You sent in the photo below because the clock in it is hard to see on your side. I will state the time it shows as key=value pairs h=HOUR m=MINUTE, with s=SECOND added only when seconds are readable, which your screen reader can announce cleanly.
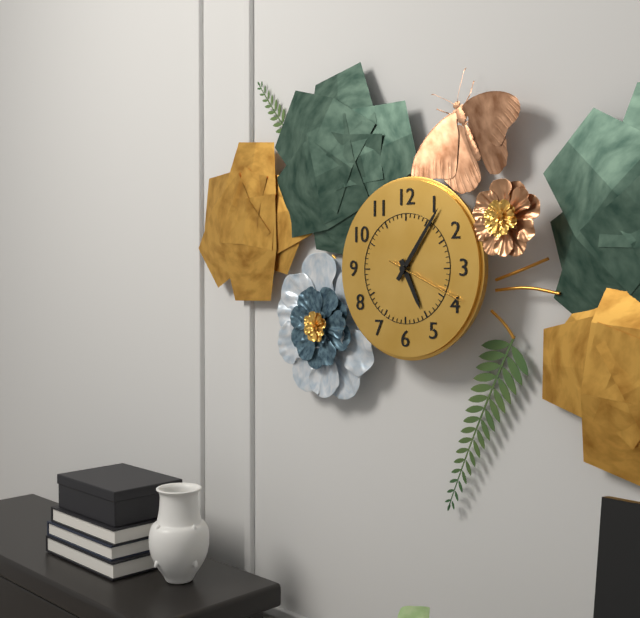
h=5 m=6 s=19
